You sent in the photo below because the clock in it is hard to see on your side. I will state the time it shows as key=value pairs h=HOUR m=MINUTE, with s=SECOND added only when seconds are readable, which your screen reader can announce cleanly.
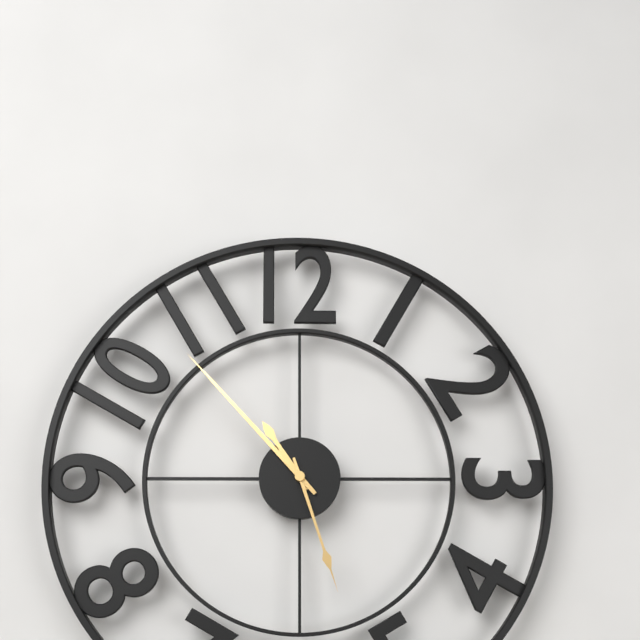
h=10 m=53 s=27
